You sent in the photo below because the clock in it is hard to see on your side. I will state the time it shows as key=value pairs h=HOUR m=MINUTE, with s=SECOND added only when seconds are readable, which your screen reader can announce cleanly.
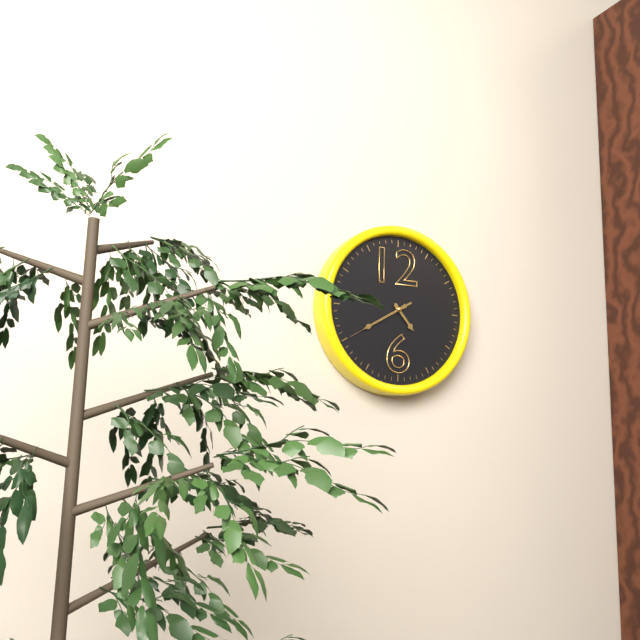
h=4 m=40 s=40
